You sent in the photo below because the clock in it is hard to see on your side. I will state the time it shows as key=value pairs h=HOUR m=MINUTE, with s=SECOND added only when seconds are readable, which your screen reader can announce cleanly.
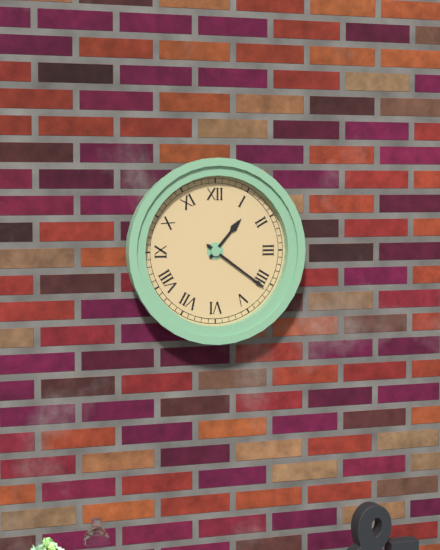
h=1 m=21
